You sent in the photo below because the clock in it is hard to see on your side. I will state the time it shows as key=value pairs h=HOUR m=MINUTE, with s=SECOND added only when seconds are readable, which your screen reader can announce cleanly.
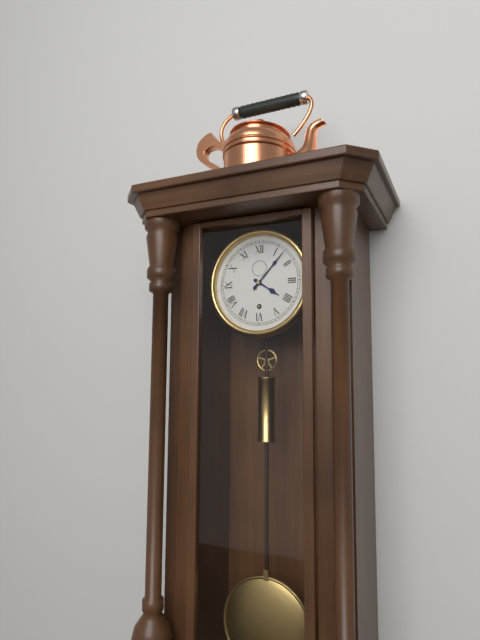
h=4 m=7
